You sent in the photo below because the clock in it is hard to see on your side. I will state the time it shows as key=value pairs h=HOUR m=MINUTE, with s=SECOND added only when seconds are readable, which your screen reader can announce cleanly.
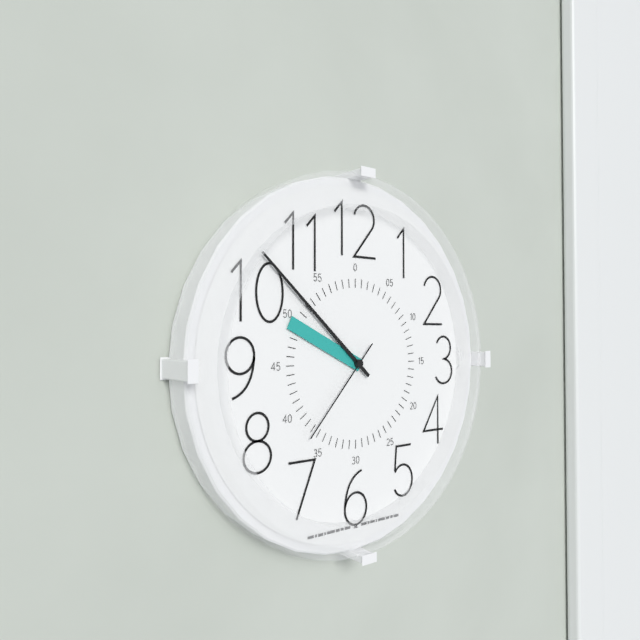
h=9 m=52 s=37
